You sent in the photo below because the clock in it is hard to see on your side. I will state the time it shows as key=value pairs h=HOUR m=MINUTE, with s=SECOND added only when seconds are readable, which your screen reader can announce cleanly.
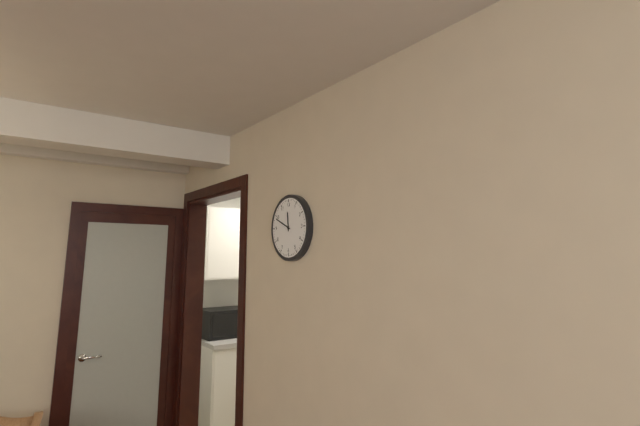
h=11 m=49
